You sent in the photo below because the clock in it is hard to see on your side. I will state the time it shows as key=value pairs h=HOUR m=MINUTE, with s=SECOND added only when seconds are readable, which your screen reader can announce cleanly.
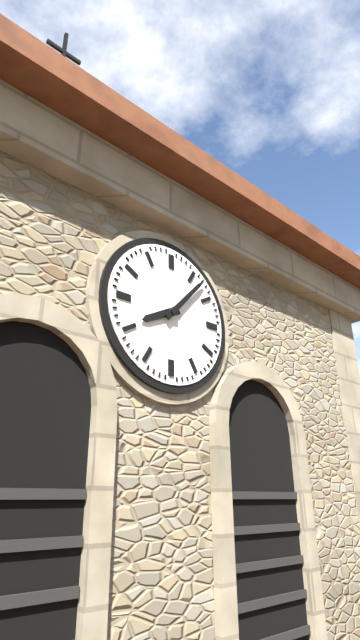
h=8 m=7
